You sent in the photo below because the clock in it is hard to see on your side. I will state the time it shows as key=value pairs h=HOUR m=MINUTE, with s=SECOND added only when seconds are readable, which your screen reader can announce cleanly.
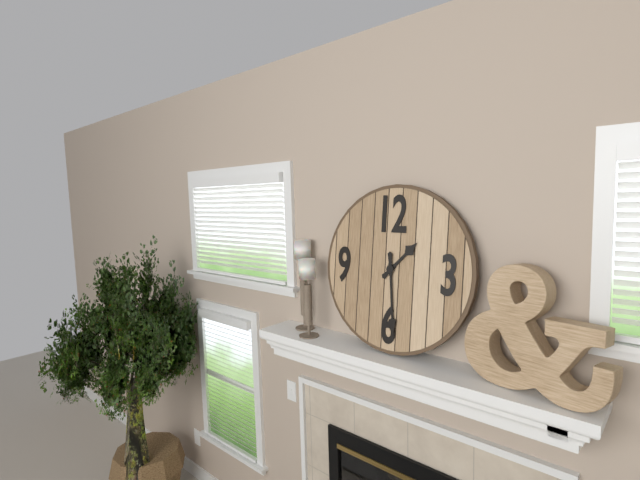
h=1 m=29
